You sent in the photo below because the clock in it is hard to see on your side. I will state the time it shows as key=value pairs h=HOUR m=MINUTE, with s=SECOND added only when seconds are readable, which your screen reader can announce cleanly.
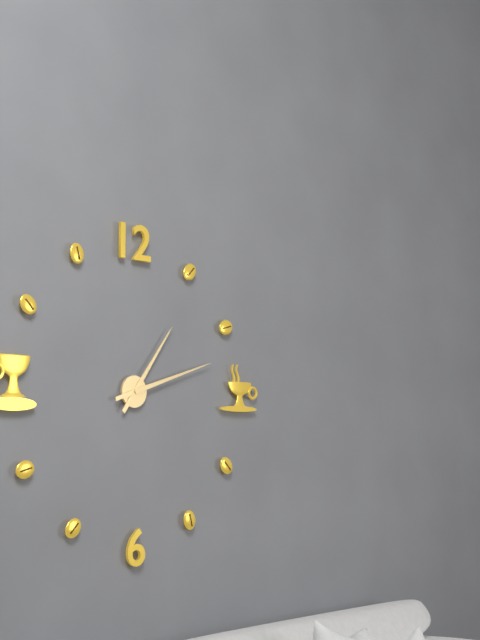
h=1 m=12
